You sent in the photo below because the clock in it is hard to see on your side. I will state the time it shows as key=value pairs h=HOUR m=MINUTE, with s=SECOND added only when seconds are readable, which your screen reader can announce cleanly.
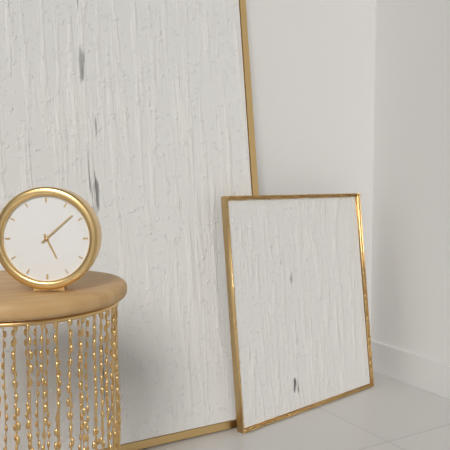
h=5 m=8
